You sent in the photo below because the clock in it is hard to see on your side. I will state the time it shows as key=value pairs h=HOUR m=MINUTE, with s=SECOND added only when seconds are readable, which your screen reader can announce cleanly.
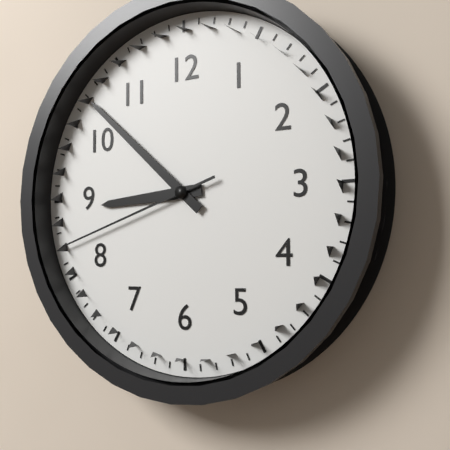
h=8 m=52 s=42
